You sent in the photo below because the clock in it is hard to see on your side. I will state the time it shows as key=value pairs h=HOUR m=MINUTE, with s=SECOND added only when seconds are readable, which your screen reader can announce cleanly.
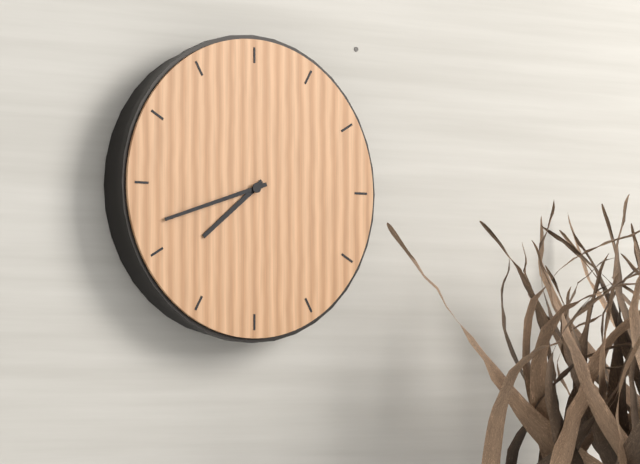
h=7 m=42
